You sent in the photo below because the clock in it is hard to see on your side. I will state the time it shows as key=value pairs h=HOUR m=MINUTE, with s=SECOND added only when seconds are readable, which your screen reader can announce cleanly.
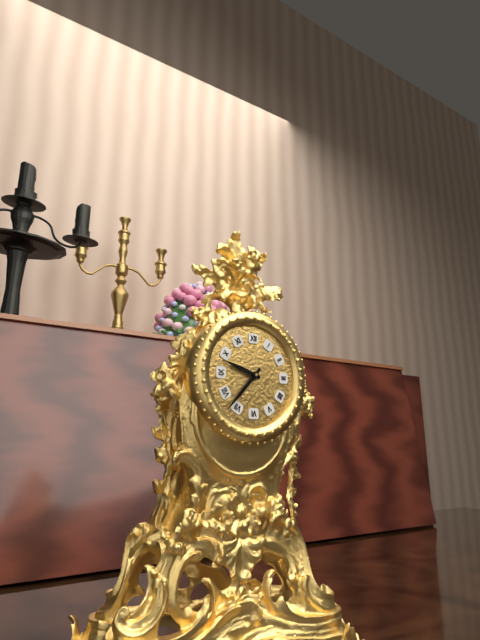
h=9 m=37
